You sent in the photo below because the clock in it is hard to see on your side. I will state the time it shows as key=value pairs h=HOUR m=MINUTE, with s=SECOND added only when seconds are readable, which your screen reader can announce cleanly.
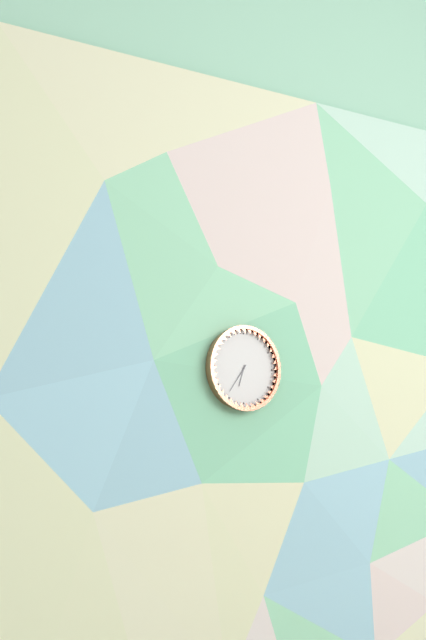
h=6 m=36
